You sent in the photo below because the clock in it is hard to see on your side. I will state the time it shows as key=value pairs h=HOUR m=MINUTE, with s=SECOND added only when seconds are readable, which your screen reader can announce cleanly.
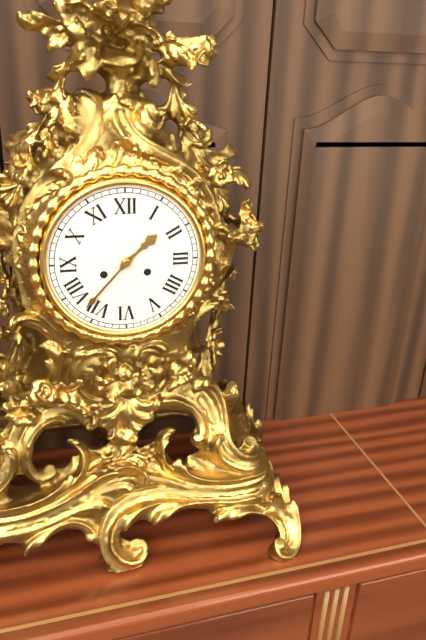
h=1 m=37
